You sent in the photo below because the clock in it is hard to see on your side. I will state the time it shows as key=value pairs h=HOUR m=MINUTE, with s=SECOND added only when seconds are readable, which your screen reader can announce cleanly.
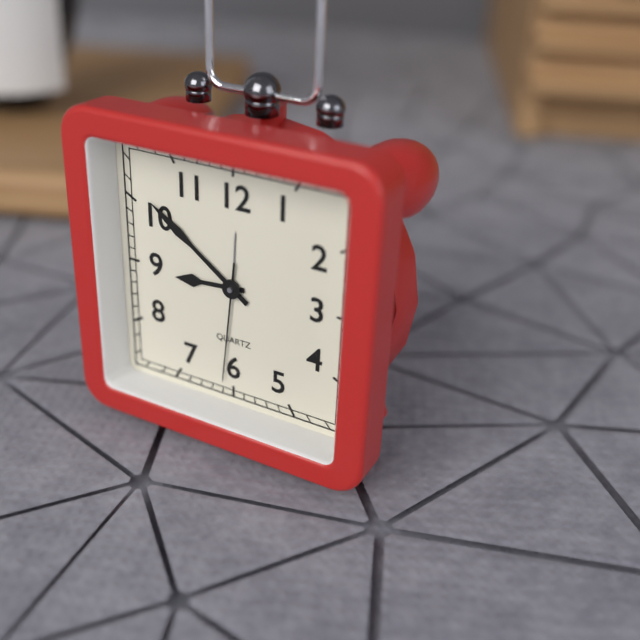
h=8 m=51 s=31
